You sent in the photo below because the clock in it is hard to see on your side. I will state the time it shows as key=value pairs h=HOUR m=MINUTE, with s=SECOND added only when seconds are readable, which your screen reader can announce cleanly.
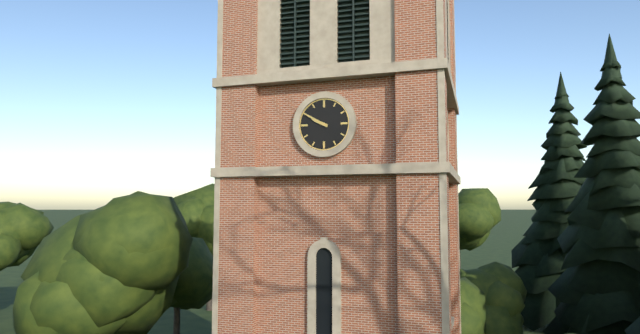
h=9 m=50
